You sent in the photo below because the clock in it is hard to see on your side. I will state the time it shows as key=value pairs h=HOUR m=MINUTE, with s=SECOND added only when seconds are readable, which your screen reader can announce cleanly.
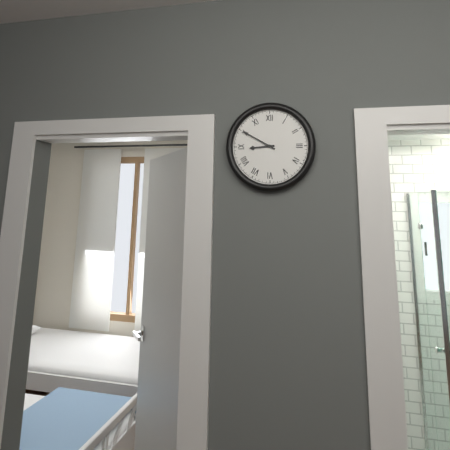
h=8 m=50
